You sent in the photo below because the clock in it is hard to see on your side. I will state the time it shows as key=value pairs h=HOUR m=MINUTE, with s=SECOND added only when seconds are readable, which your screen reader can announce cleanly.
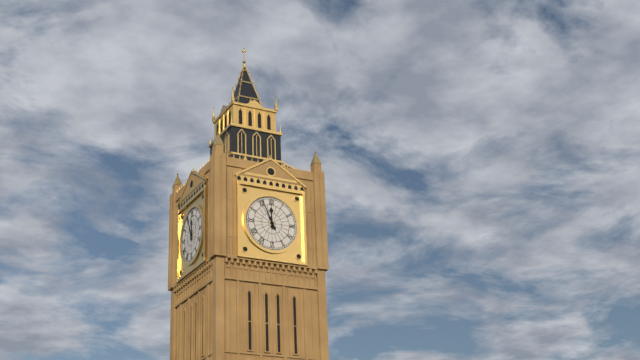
h=11 m=56
